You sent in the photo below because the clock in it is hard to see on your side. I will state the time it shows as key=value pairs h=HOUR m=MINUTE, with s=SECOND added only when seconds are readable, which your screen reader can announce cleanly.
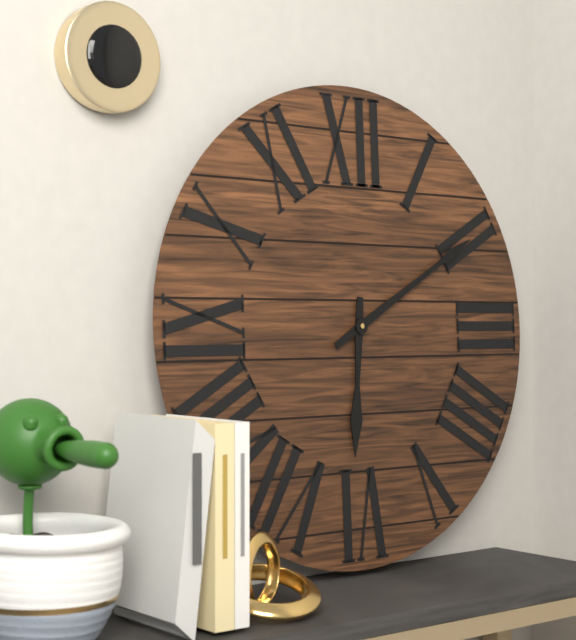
h=6 m=10
